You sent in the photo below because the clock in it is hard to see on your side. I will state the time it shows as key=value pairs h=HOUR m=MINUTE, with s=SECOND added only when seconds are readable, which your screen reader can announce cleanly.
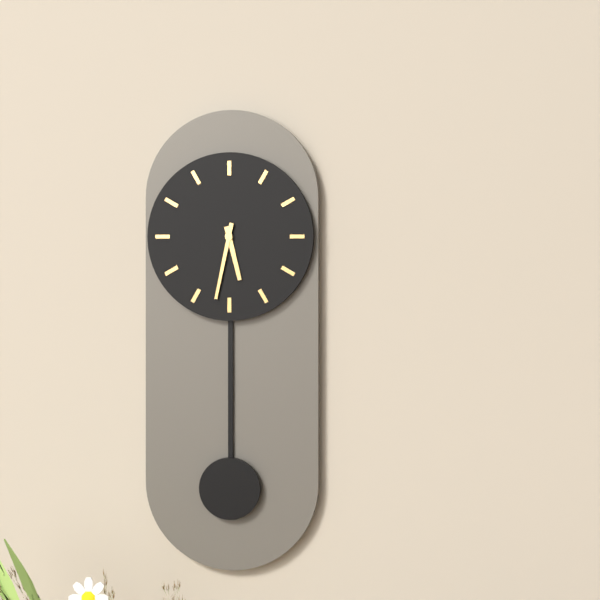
h=5 m=32
